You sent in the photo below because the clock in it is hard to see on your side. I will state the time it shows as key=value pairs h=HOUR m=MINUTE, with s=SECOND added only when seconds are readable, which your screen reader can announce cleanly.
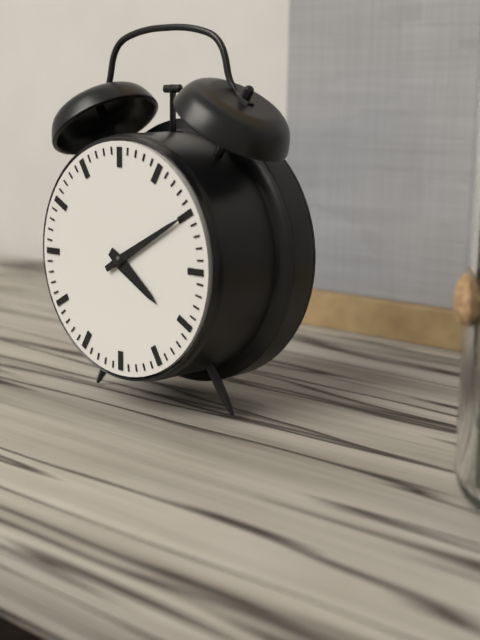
h=4 m=10
